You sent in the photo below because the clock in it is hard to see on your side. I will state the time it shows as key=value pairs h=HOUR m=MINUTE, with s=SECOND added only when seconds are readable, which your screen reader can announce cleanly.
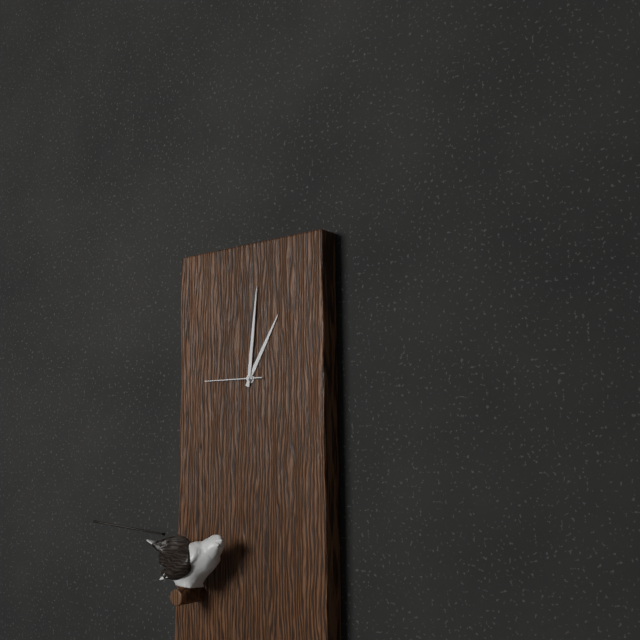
h=1 m=1 s=45
